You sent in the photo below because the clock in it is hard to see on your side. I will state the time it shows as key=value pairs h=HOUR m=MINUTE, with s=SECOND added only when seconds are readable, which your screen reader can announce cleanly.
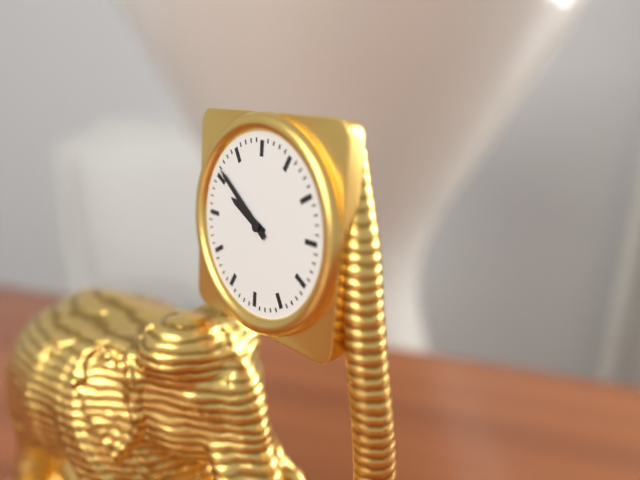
h=9 m=51
